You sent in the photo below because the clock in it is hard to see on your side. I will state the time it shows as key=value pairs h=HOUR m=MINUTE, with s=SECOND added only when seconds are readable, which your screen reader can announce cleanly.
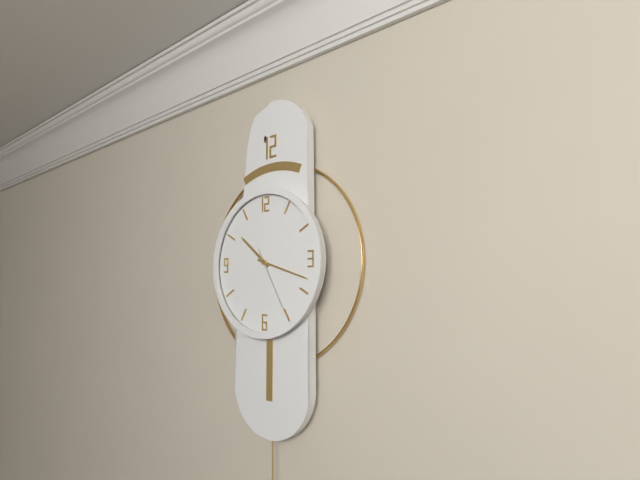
h=10 m=18 s=25
